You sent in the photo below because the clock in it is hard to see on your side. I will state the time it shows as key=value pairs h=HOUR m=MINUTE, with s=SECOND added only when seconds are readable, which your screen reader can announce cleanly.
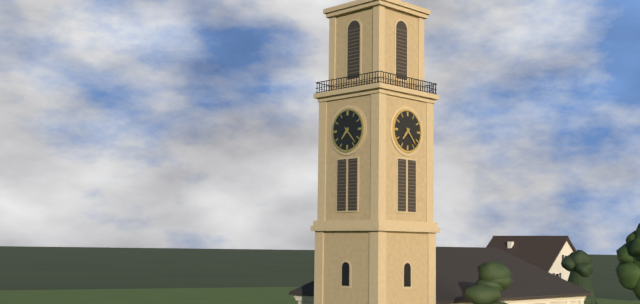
h=7 m=23
